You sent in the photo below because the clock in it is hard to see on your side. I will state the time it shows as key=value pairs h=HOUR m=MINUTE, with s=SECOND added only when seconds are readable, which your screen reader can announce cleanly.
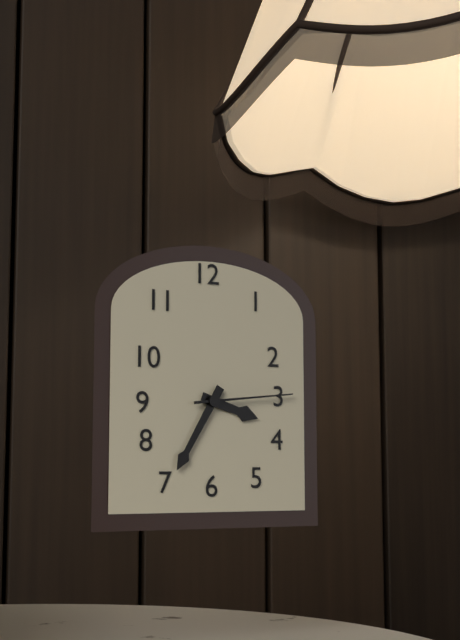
h=3 m=35 s=14
